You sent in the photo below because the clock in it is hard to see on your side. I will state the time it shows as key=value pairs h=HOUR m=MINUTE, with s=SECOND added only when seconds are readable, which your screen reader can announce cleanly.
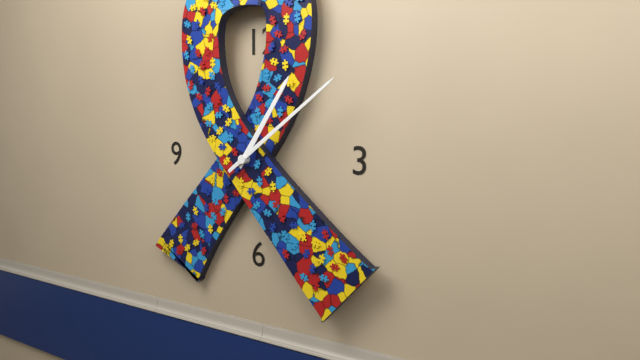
h=1 m=9
